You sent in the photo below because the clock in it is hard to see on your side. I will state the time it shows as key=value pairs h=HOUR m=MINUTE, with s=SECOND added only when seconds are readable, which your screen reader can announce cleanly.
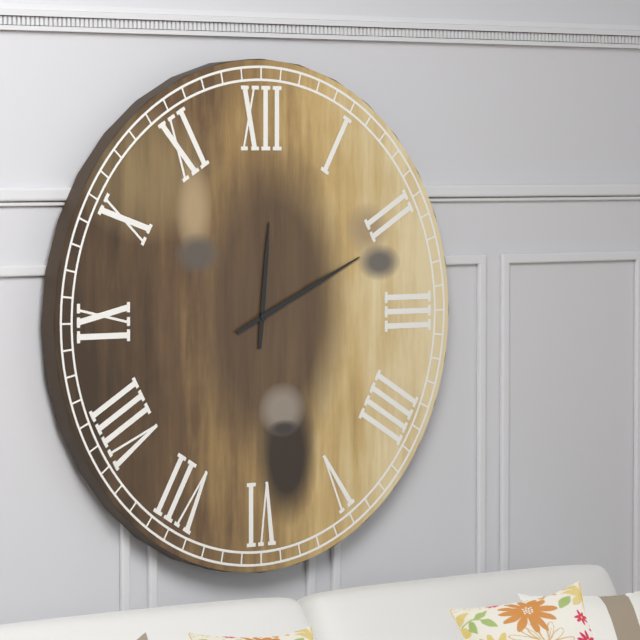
h=12 m=11
